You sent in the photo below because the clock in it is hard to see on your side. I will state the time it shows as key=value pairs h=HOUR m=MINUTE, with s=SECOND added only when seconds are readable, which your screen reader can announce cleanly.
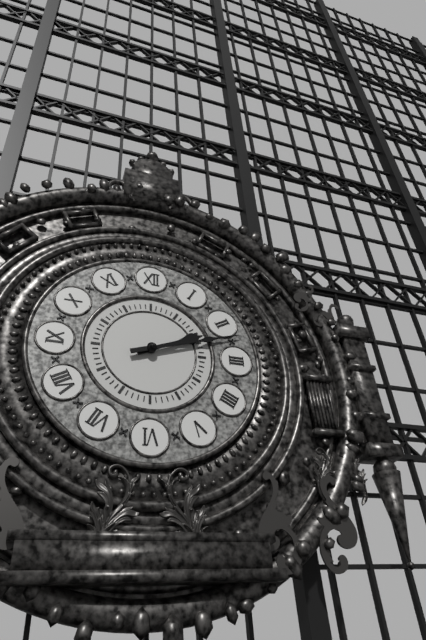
h=2 m=12
